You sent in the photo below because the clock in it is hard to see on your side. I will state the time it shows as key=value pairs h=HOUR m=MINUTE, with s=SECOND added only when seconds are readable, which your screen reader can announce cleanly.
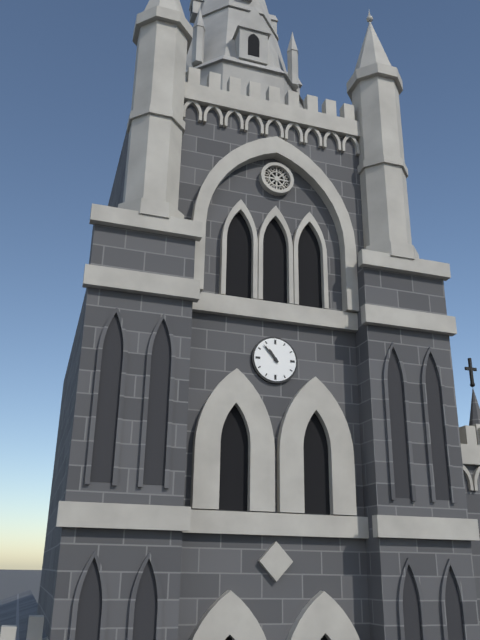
h=10 m=53
